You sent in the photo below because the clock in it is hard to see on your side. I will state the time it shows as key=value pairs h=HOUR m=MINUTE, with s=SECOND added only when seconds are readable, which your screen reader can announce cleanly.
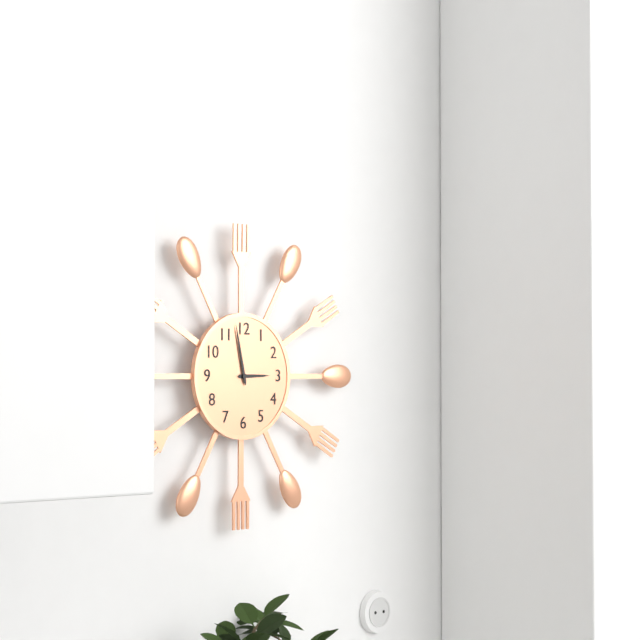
h=2 m=58
